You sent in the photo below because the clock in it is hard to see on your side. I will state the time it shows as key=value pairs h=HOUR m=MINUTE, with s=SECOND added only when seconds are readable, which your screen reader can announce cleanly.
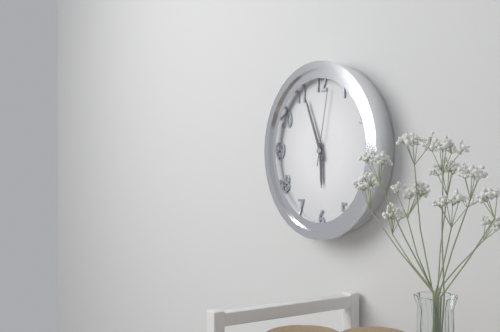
h=5 m=56 s=2
